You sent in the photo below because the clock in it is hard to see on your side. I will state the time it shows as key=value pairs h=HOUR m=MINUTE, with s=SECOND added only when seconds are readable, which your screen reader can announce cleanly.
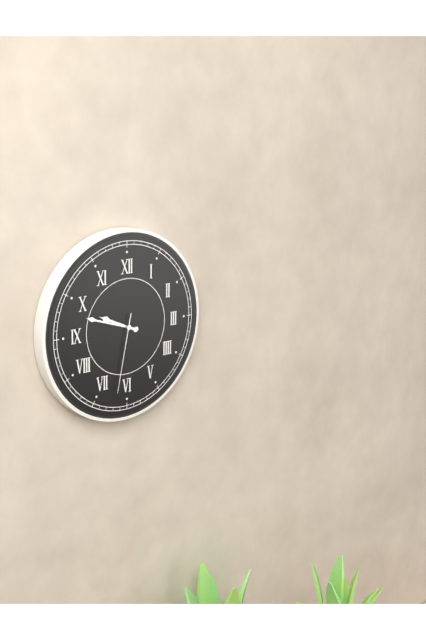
h=9 m=48 s=32
